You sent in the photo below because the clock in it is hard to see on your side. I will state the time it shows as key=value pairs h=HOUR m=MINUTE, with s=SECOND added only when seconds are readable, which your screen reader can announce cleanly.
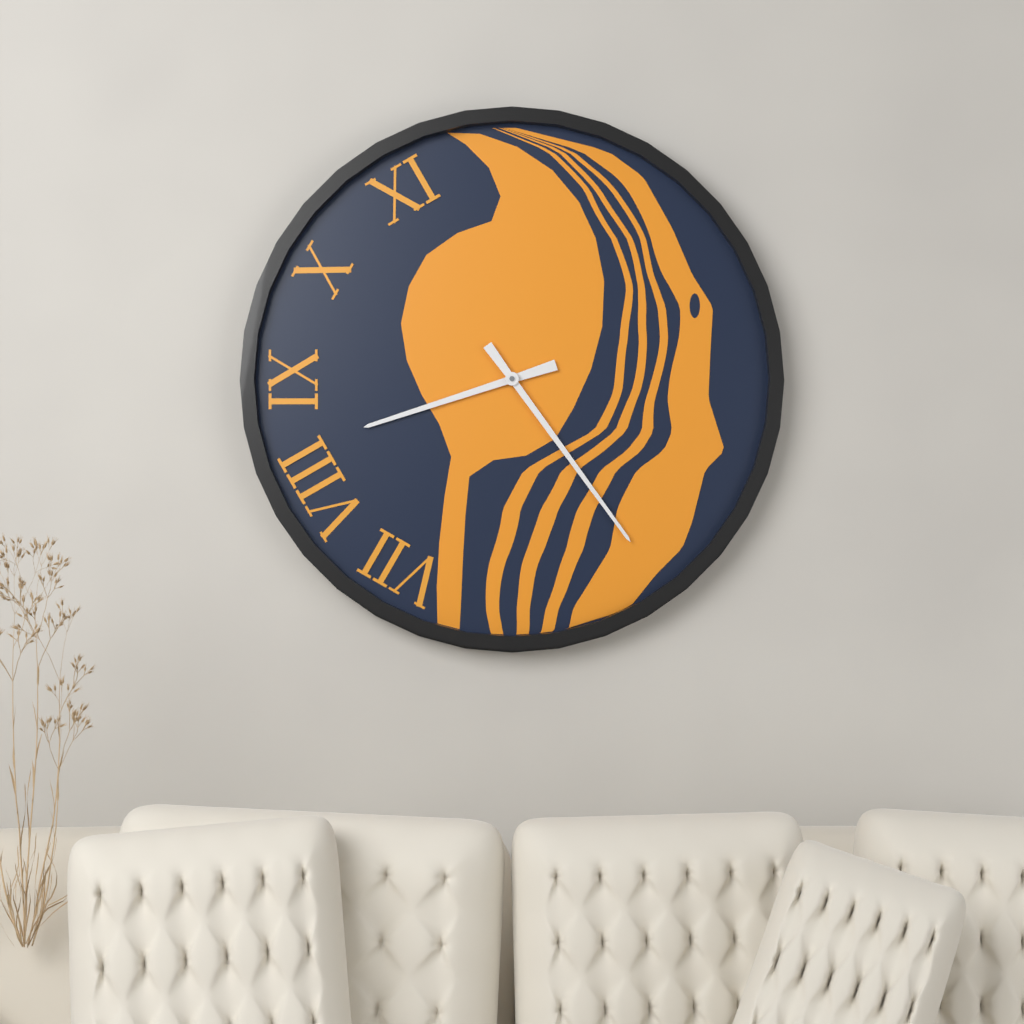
h=8 m=24
